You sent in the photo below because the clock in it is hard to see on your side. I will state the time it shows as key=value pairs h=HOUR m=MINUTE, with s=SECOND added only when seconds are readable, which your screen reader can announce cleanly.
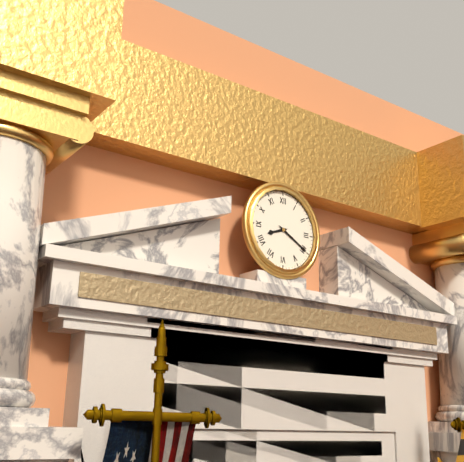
h=8 m=20
